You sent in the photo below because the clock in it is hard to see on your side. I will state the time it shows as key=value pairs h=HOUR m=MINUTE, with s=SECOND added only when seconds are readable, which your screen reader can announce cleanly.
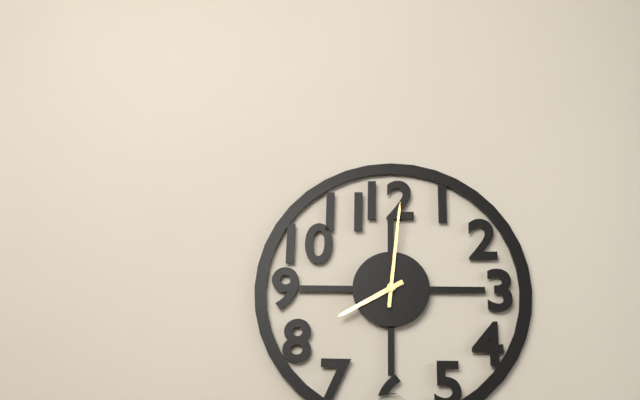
h=8 m=1
